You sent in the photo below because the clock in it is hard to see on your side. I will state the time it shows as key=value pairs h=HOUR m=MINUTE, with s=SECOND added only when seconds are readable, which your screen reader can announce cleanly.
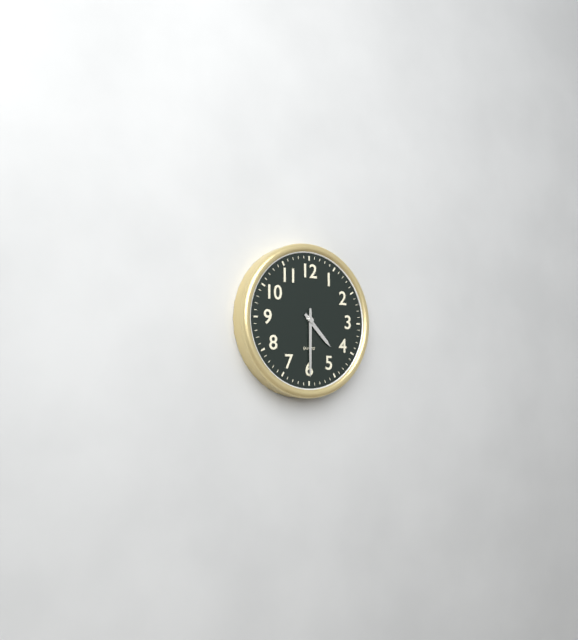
h=4 m=30
